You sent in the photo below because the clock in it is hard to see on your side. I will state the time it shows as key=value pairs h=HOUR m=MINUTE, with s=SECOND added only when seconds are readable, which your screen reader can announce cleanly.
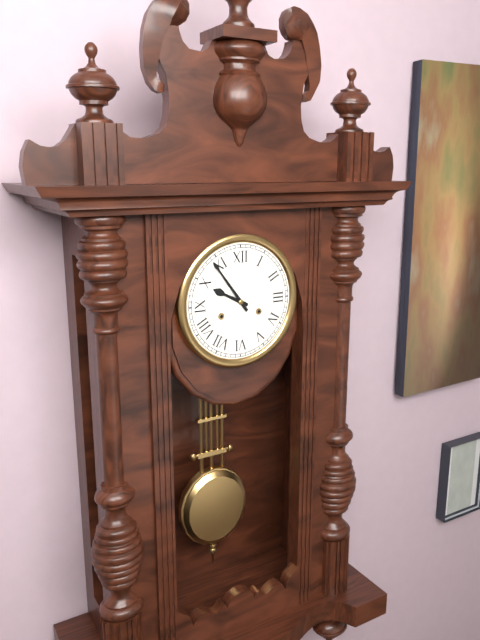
h=9 m=54
